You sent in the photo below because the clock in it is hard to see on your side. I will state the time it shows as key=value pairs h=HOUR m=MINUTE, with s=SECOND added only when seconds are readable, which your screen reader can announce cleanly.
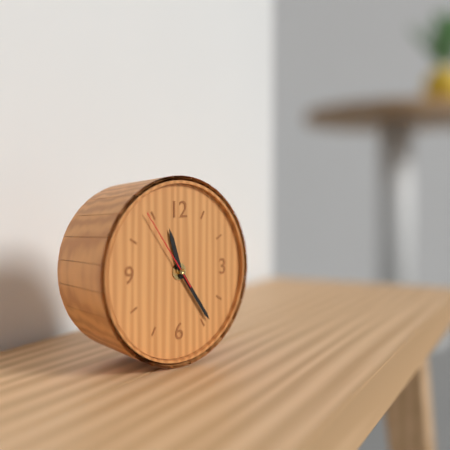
h=11 m=24 s=54
